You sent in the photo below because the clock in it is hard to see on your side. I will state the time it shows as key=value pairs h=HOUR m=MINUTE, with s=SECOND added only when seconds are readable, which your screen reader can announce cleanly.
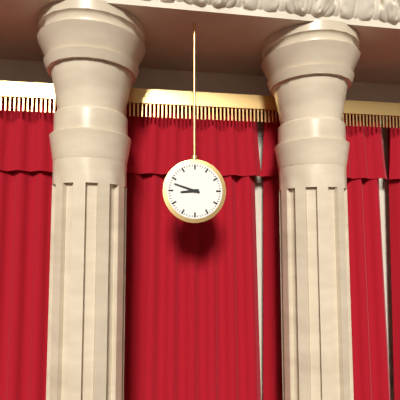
h=8 m=48
